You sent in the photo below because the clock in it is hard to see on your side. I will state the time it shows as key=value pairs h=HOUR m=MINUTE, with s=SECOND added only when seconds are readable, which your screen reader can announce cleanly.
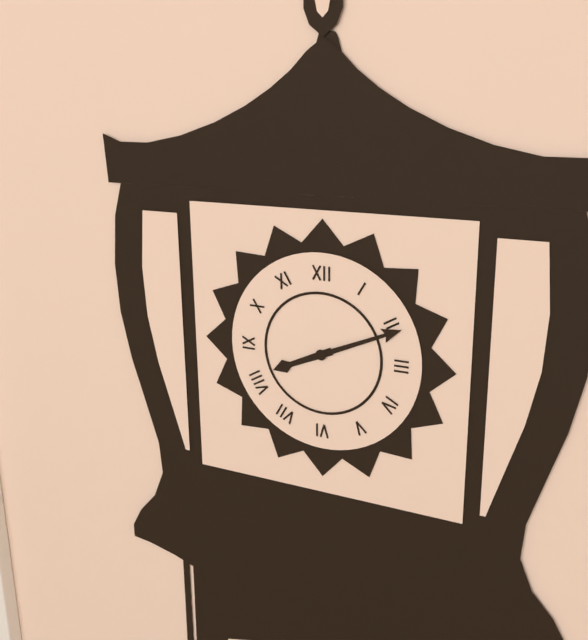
h=8 m=11
